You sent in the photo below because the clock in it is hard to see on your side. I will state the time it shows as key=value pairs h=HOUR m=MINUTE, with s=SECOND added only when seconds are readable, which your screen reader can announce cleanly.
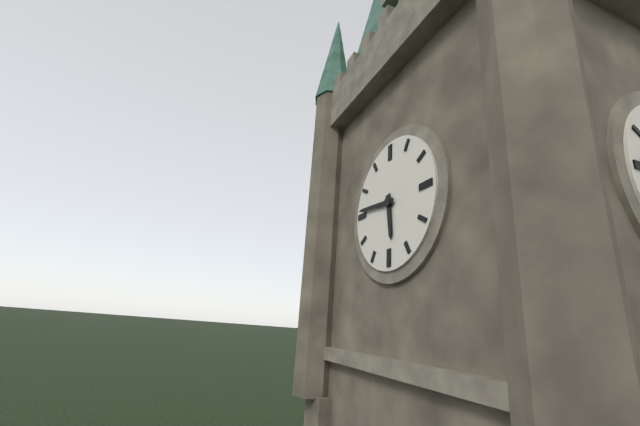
h=5 m=46
